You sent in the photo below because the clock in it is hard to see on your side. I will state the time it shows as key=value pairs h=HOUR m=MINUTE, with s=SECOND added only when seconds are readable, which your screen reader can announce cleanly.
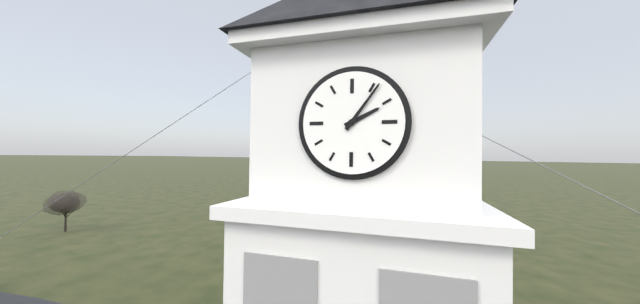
h=2 m=6
